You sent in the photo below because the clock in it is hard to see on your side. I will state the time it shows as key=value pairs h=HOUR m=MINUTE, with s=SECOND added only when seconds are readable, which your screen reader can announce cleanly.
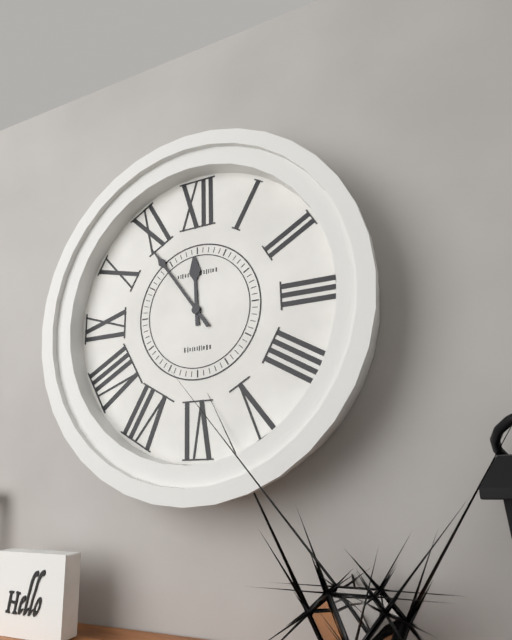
h=11 m=54
